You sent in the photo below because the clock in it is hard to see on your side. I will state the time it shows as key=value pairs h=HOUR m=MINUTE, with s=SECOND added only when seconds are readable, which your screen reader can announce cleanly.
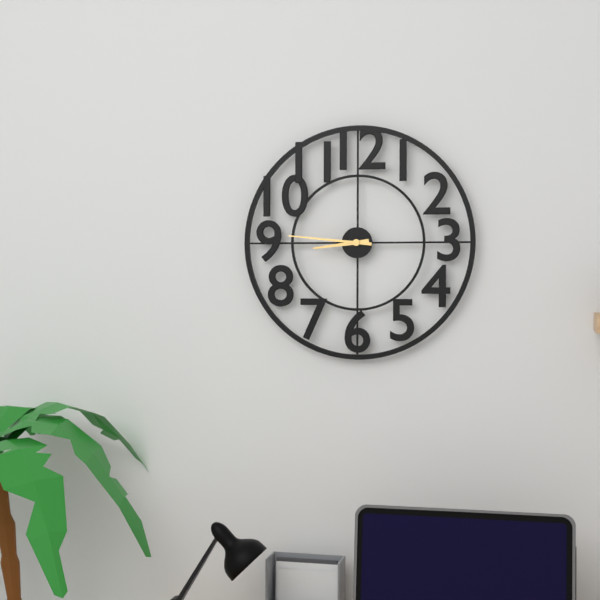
h=8 m=46
